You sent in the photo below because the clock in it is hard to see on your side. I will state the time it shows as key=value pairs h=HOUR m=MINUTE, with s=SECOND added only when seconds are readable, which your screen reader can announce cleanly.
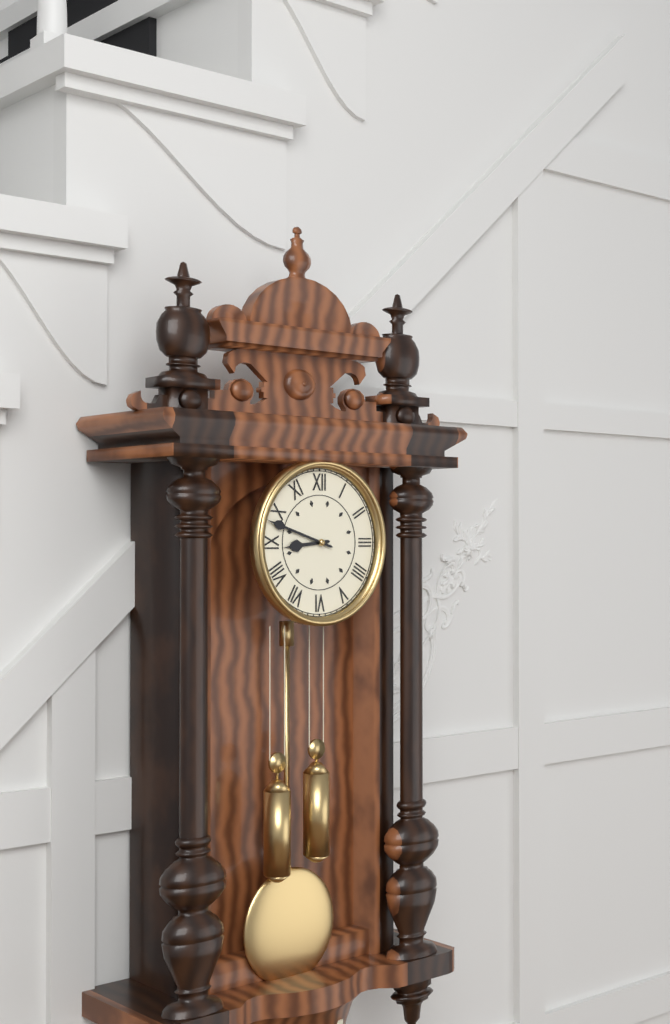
h=8 m=48
